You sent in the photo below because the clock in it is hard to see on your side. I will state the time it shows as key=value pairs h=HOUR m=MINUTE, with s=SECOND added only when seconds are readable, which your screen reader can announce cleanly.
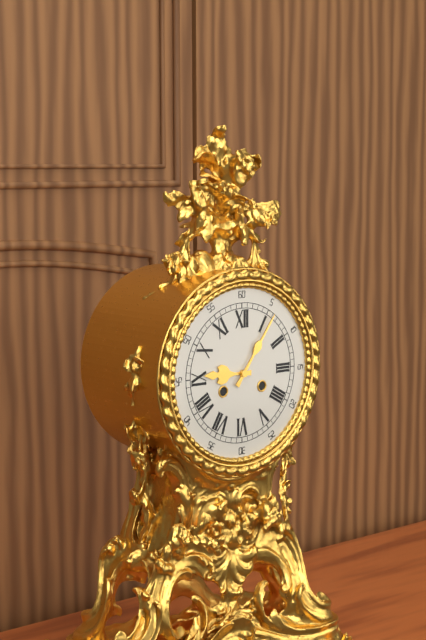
h=9 m=6
